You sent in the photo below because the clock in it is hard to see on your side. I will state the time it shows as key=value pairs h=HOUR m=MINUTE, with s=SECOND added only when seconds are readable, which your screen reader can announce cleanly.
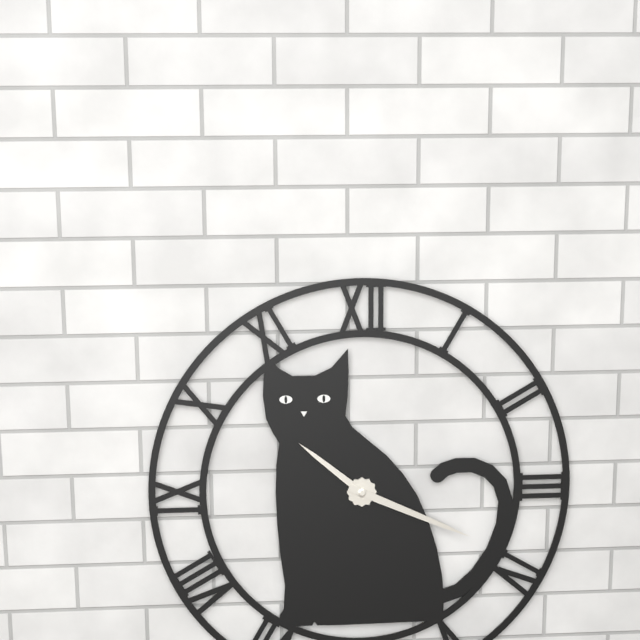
h=10 m=19
